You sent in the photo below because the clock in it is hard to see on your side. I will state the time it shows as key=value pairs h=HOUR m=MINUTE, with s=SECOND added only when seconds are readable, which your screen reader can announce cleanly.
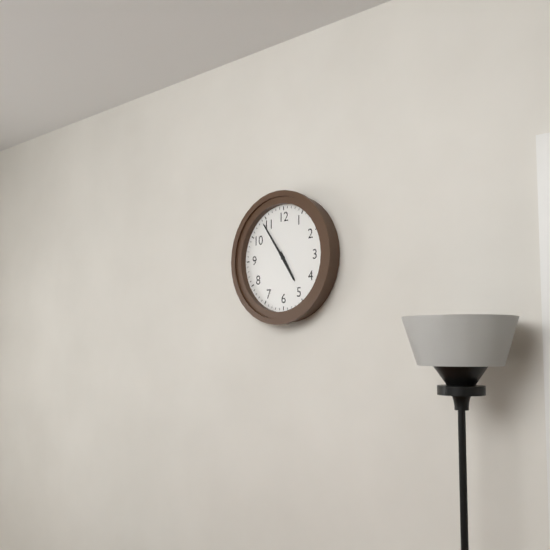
h=4 m=54
